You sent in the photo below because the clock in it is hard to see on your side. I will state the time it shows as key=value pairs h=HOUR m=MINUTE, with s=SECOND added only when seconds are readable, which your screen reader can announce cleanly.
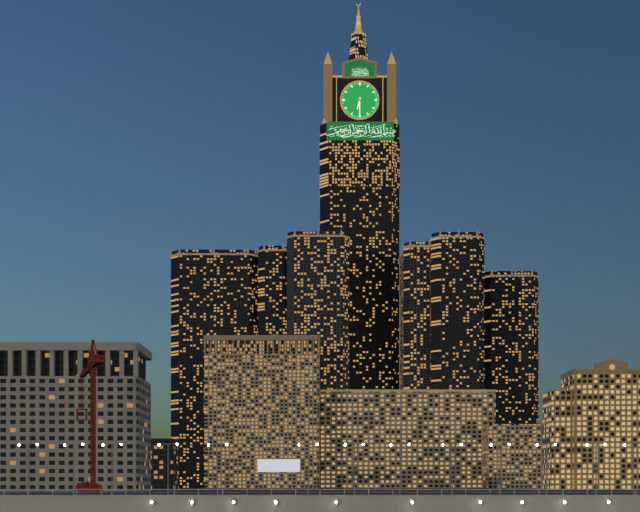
h=6 m=30
